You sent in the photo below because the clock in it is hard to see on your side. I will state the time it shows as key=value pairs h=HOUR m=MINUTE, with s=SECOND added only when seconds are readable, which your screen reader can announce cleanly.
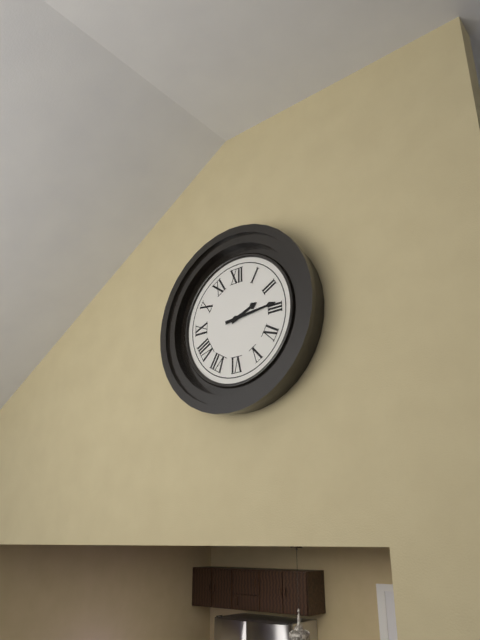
h=2 m=14
